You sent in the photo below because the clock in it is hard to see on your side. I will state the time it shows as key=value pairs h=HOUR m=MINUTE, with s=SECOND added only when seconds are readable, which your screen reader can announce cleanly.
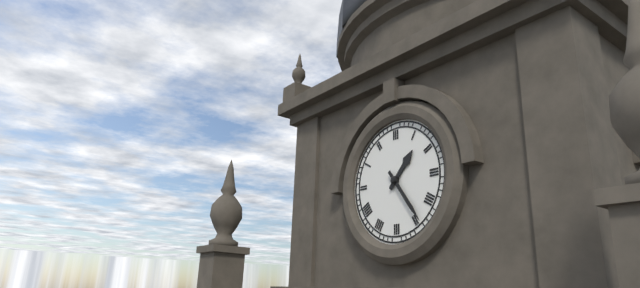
h=1 m=24
